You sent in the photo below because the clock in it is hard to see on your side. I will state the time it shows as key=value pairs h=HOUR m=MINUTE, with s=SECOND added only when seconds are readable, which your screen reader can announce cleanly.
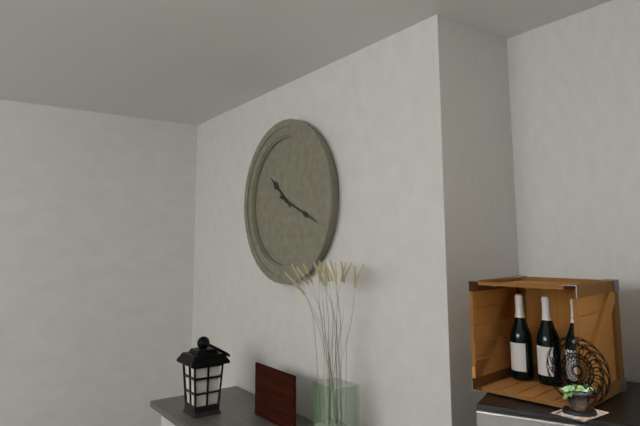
h=10 m=19
